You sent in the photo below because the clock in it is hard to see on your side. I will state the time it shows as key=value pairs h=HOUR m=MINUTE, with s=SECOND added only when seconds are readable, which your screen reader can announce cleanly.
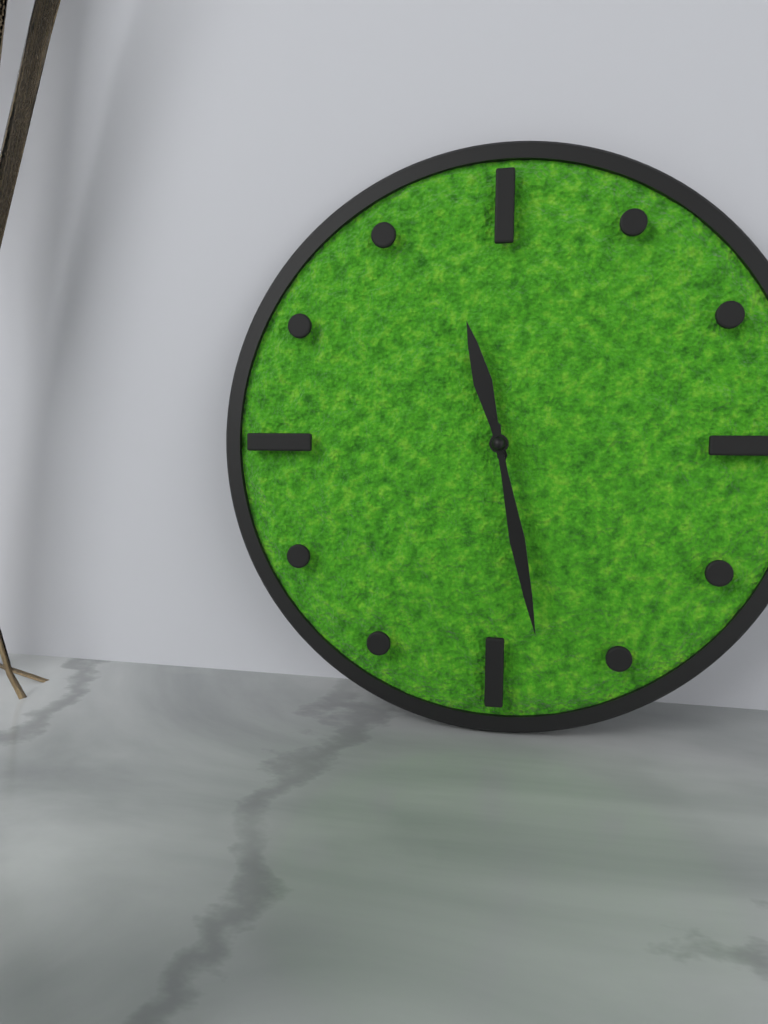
h=11 m=28
